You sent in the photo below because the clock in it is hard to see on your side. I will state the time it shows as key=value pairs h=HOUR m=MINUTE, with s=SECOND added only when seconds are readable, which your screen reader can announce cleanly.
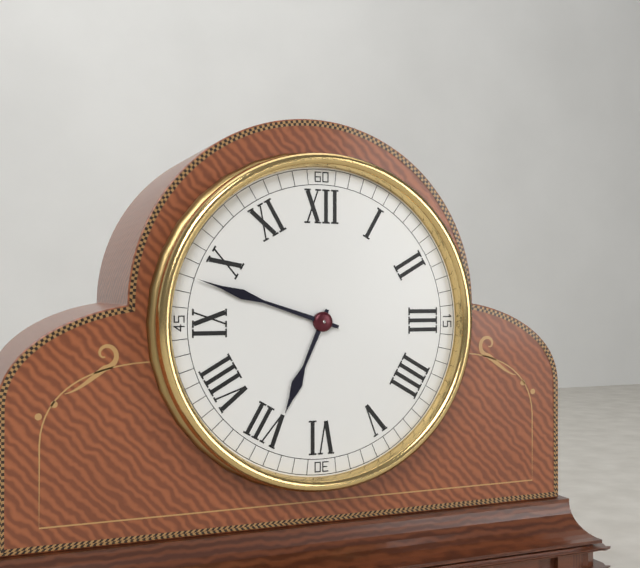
h=6 m=48
